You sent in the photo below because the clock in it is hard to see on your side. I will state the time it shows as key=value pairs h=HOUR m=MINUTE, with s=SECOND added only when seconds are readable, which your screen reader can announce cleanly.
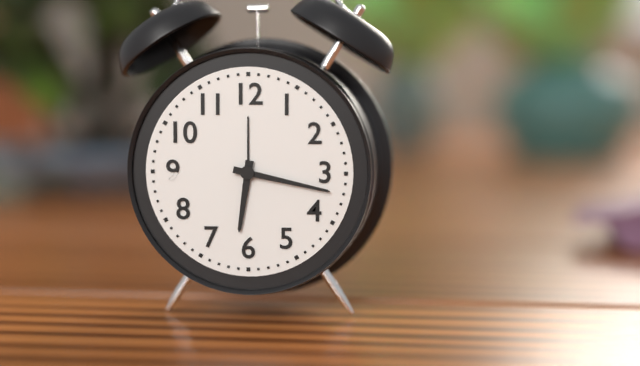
h=6 m=17
